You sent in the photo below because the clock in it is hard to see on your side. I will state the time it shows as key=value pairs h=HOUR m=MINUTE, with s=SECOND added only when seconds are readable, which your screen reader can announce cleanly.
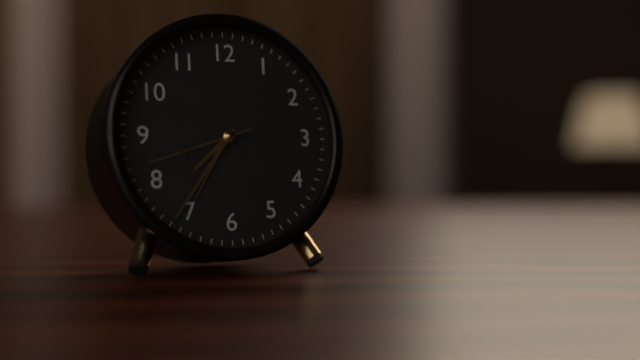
h=7 m=36 s=42
